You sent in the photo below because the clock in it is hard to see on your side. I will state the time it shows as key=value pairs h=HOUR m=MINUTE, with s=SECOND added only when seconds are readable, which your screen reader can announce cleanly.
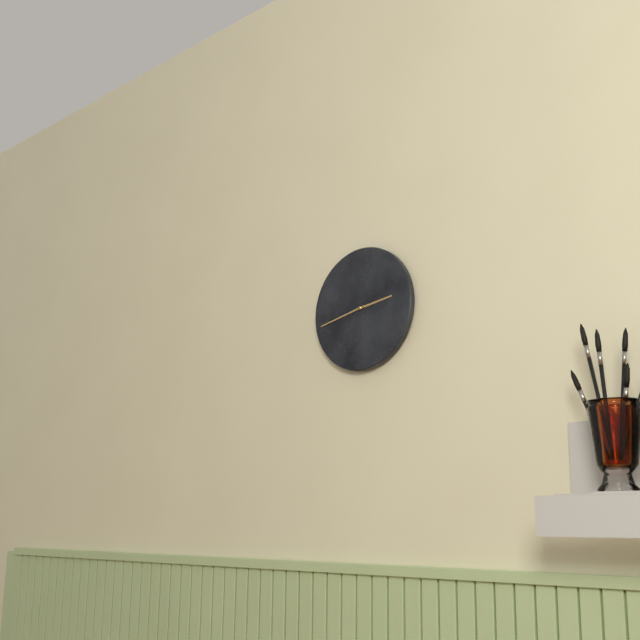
h=2 m=43
